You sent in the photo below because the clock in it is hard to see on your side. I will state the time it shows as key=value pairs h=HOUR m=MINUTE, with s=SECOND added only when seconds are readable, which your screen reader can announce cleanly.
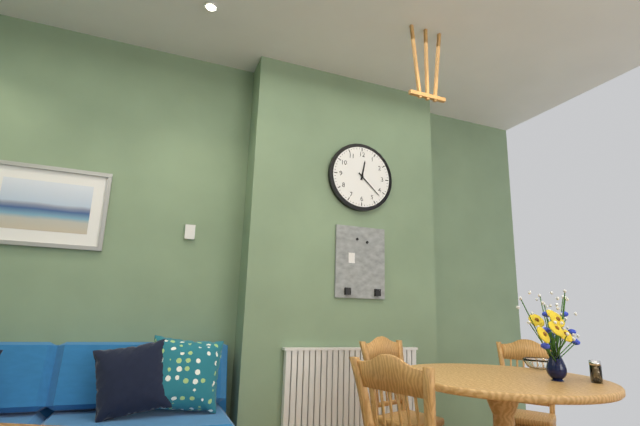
h=12 m=22
